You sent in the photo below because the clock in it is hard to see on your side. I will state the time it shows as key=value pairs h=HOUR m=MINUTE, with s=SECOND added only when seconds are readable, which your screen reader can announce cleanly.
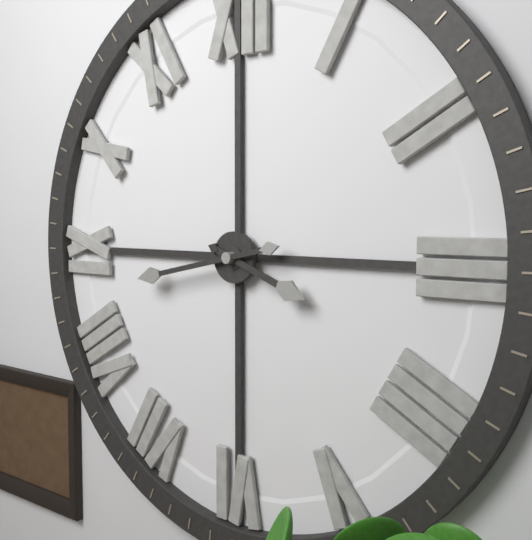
h=3 m=43
